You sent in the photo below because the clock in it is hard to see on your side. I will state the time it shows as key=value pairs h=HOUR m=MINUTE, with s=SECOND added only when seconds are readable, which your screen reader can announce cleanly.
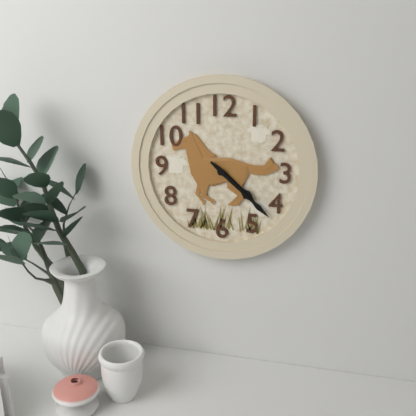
h=4 m=22
